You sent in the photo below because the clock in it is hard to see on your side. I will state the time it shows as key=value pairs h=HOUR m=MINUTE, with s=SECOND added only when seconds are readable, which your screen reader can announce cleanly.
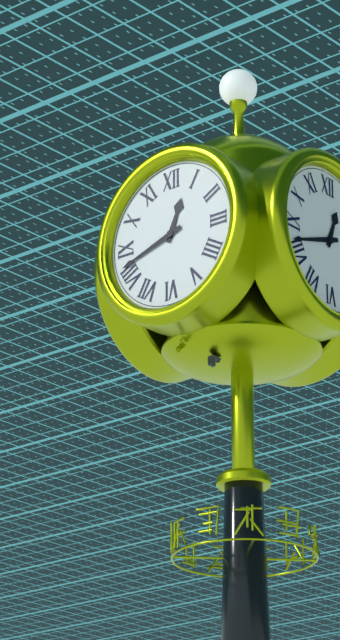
h=12 m=42
